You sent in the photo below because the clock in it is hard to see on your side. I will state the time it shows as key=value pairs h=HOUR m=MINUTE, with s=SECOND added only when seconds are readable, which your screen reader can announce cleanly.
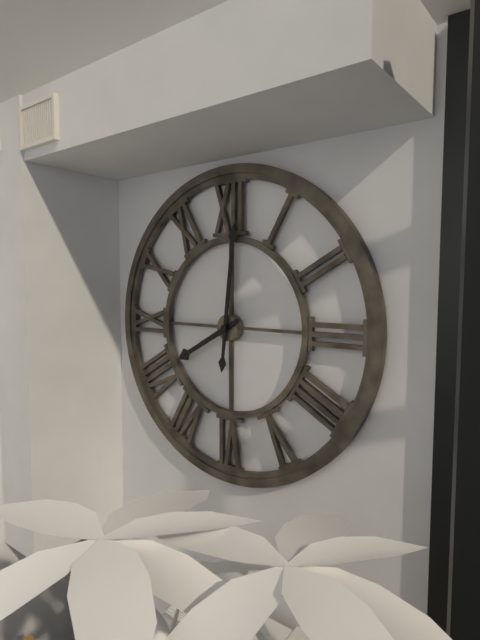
h=8 m=1
